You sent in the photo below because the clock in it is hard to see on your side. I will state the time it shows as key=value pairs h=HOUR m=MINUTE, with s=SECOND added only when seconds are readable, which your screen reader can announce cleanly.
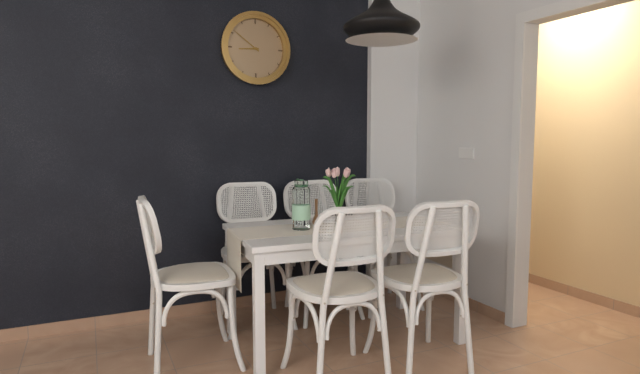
h=8 m=51
